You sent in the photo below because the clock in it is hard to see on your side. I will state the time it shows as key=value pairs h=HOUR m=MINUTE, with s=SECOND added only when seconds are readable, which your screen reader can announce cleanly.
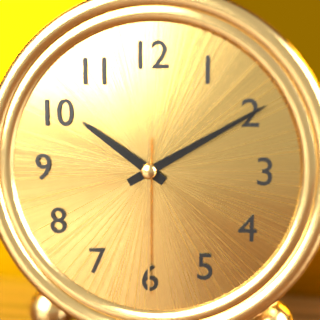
h=10 m=10 s=30
